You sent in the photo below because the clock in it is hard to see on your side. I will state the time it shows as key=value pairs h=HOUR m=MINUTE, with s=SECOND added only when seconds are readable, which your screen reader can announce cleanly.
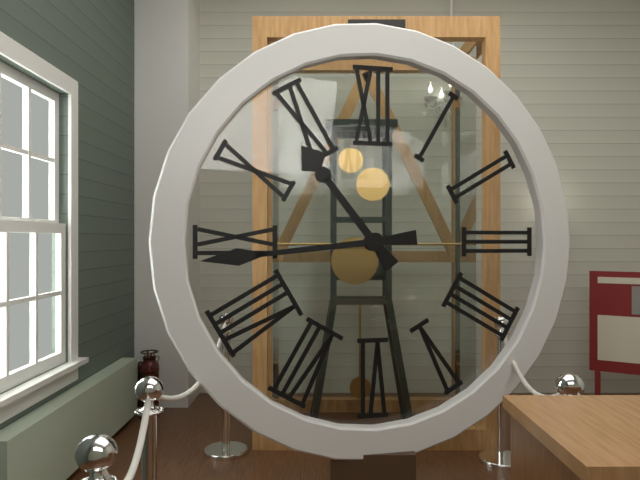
h=10 m=44
